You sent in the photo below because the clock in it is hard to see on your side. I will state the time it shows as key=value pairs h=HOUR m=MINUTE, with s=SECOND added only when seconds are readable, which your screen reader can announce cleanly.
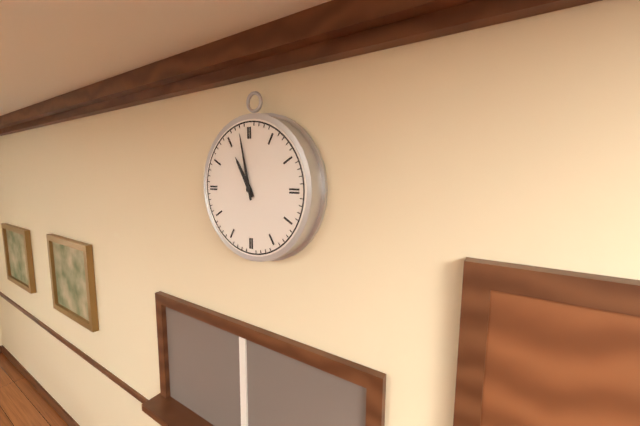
h=10 m=58
